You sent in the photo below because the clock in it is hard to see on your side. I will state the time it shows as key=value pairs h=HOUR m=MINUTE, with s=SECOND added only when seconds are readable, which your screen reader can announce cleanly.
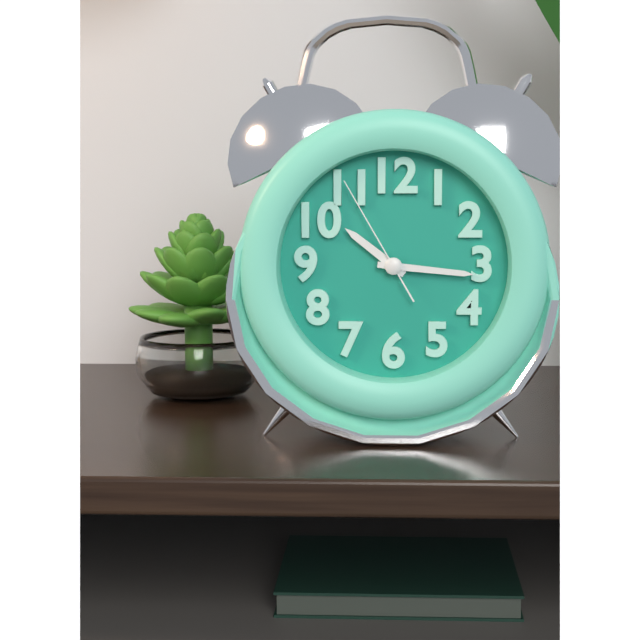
h=10 m=16 s=55
